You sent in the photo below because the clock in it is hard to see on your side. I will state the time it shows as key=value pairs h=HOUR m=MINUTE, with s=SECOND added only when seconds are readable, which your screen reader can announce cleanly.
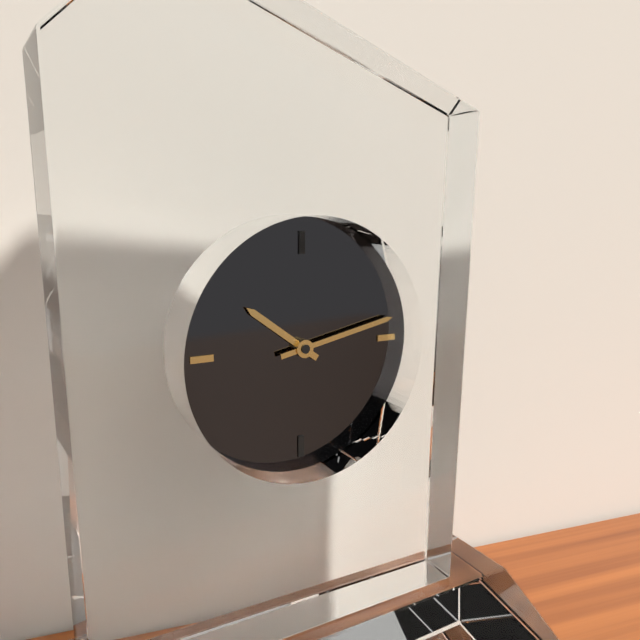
h=10 m=13
